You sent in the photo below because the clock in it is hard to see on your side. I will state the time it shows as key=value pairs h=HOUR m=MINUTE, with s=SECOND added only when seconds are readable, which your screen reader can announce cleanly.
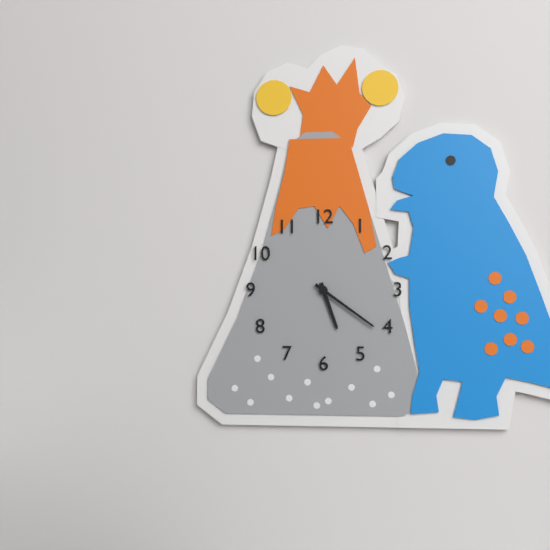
h=5 m=21
